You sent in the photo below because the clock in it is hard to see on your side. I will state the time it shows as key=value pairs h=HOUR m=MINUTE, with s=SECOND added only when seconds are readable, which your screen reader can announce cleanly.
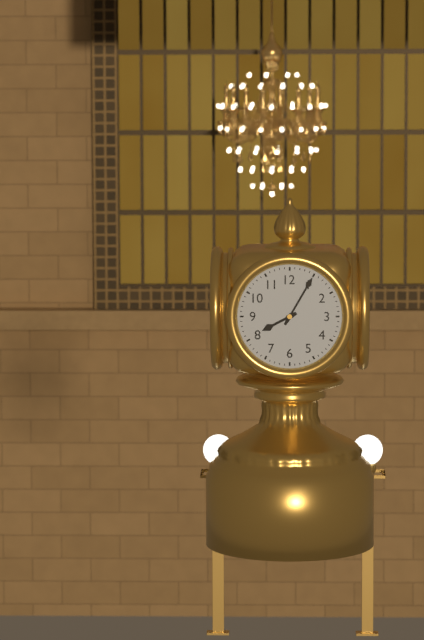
h=8 m=5
